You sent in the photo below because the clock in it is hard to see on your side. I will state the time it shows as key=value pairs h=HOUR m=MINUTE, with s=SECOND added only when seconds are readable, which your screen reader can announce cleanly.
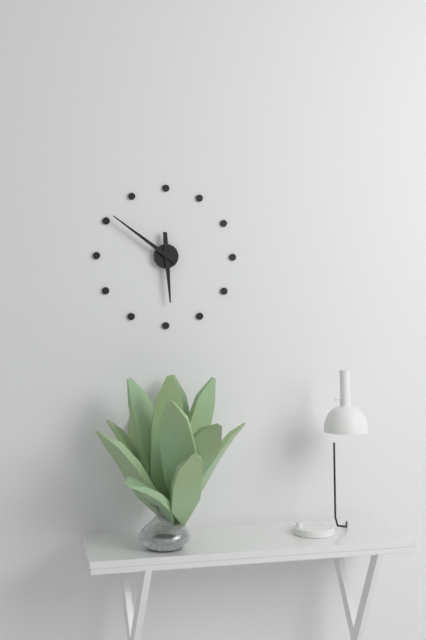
h=5 m=51
